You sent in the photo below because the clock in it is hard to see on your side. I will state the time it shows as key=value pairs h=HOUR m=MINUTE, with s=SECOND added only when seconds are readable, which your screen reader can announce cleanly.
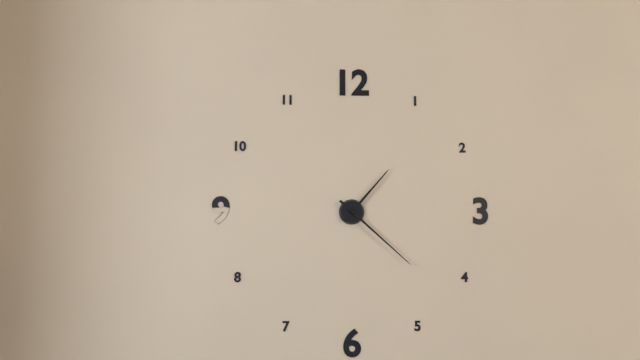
h=1 m=22
